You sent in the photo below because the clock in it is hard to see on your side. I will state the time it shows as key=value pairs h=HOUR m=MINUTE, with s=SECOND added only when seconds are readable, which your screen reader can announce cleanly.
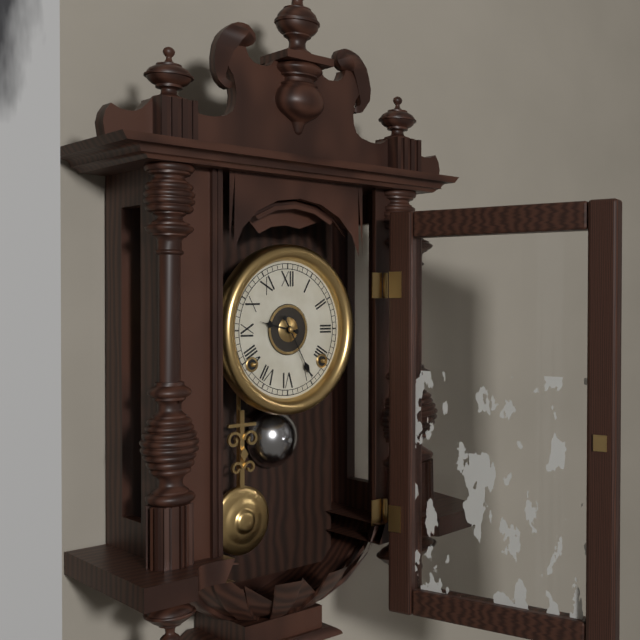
h=9 m=25
